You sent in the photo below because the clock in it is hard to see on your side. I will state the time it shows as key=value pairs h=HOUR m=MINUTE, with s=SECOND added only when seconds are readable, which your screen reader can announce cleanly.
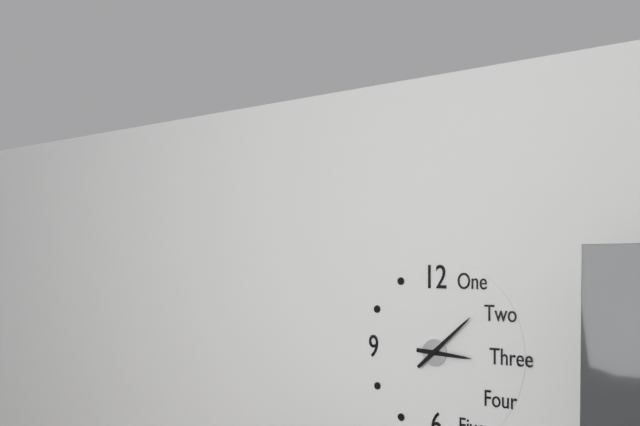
h=3 m=8
